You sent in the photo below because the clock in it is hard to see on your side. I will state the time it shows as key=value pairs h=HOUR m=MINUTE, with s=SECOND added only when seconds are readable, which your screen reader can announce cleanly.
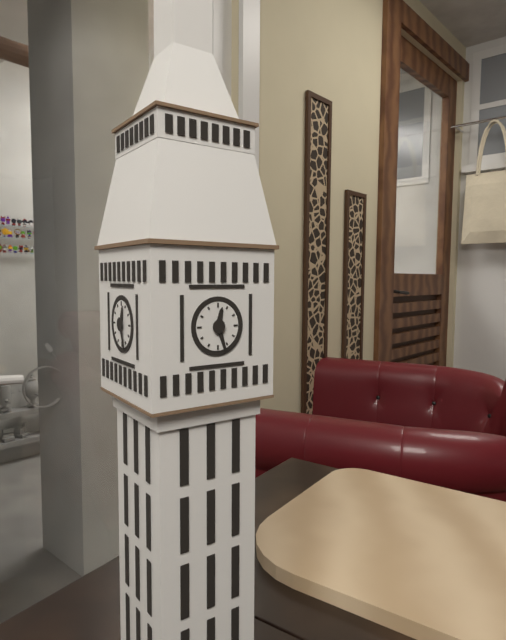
h=12 m=27
